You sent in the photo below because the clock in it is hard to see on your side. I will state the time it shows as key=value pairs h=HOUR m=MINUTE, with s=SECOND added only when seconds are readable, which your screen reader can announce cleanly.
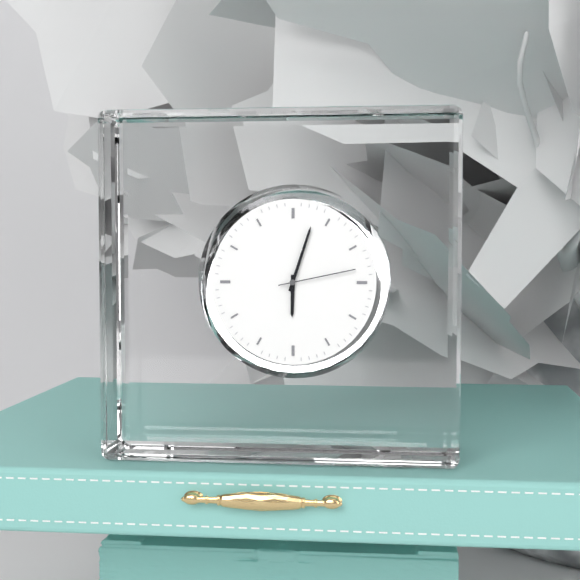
h=6 m=3 s=13
